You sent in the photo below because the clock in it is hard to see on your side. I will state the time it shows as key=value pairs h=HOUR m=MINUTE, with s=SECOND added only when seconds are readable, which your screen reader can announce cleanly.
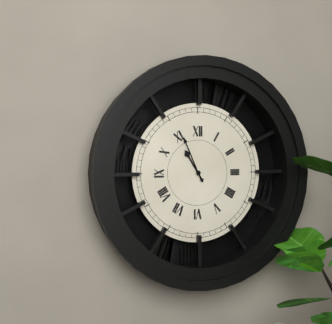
h=10 m=56
